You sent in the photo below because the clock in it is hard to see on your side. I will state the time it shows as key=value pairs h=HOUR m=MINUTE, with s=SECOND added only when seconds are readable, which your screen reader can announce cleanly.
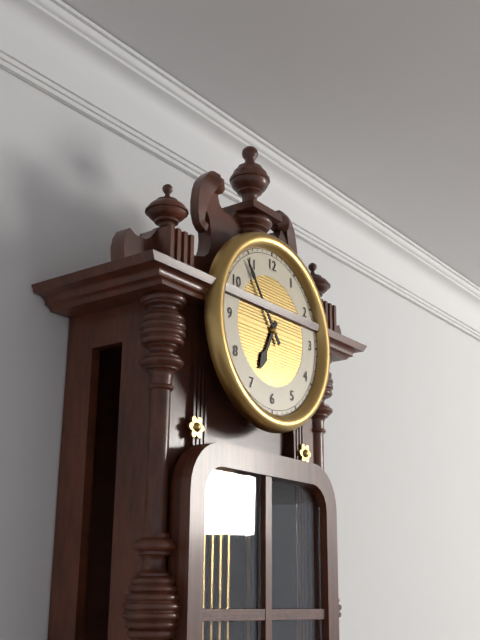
h=6 m=54
